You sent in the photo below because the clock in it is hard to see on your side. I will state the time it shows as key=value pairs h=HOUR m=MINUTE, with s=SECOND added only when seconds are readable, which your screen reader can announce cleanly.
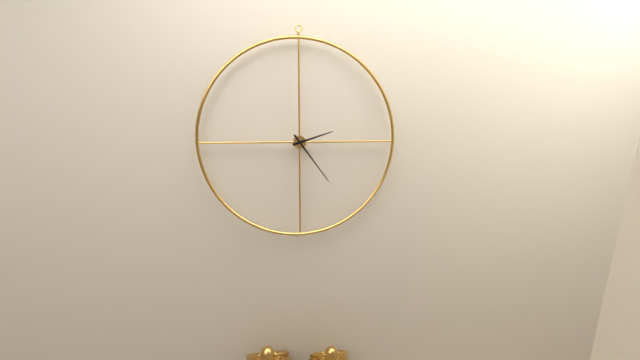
h=2 m=24
